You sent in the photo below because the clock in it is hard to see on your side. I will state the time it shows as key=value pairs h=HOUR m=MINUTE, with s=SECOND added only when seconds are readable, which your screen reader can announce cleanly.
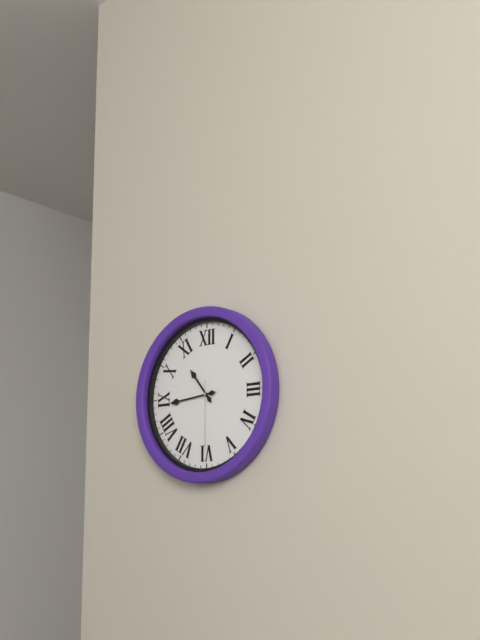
h=10 m=44 s=30
